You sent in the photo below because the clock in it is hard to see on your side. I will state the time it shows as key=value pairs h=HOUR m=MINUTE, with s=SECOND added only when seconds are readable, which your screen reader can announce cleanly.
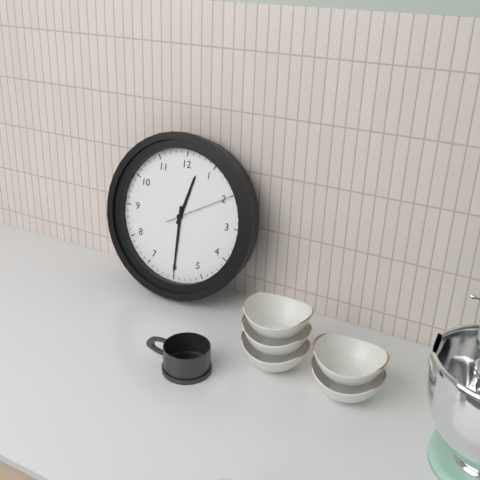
h=12 m=30 s=10
